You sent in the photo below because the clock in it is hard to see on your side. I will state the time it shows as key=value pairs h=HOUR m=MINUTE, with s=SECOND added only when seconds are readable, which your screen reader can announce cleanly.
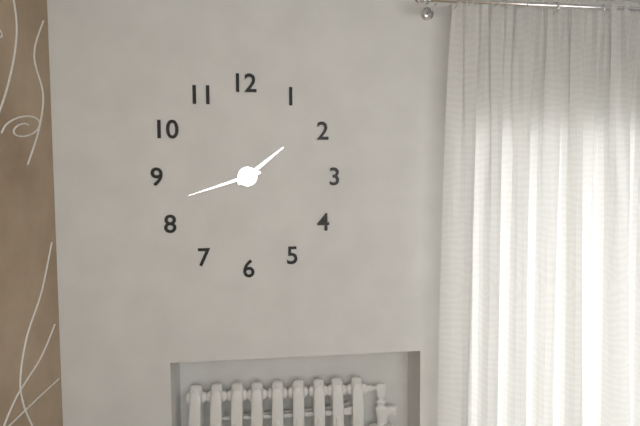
h=1 m=42
